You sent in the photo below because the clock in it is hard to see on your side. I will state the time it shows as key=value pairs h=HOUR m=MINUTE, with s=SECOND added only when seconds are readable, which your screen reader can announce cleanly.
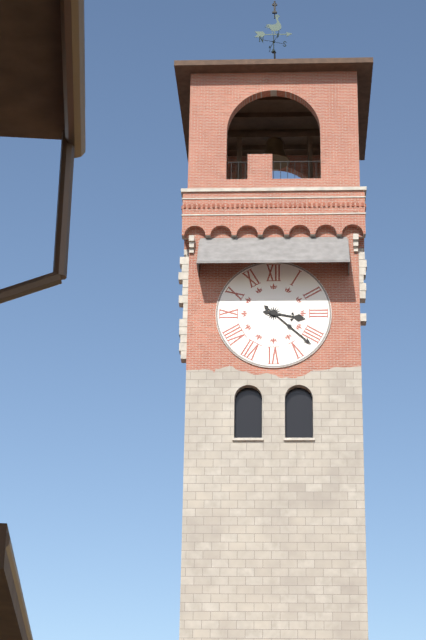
h=3 m=22
